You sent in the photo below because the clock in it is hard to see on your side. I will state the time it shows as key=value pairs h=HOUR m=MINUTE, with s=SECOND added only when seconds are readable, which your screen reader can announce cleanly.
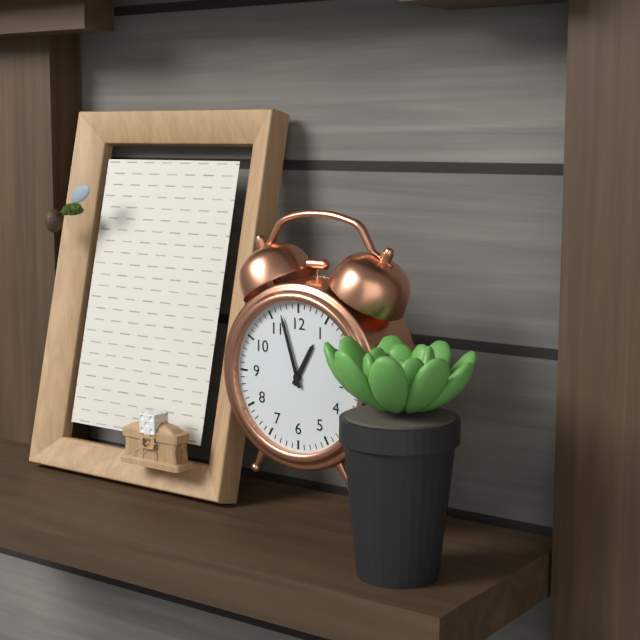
h=12 m=57
